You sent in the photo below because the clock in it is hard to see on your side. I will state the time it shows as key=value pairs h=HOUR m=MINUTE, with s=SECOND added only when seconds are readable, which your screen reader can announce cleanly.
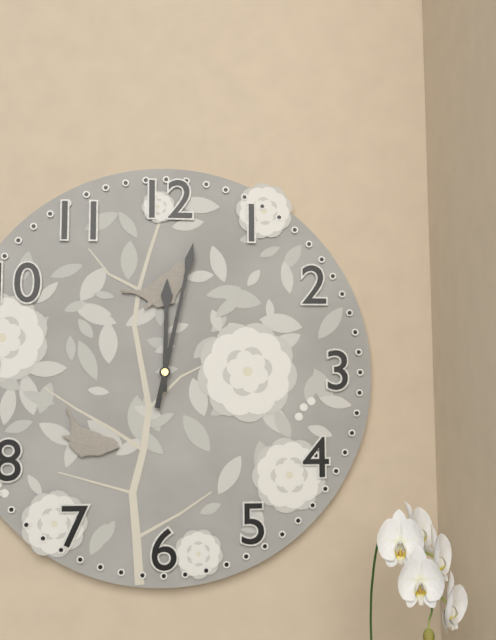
h=12 m=2
